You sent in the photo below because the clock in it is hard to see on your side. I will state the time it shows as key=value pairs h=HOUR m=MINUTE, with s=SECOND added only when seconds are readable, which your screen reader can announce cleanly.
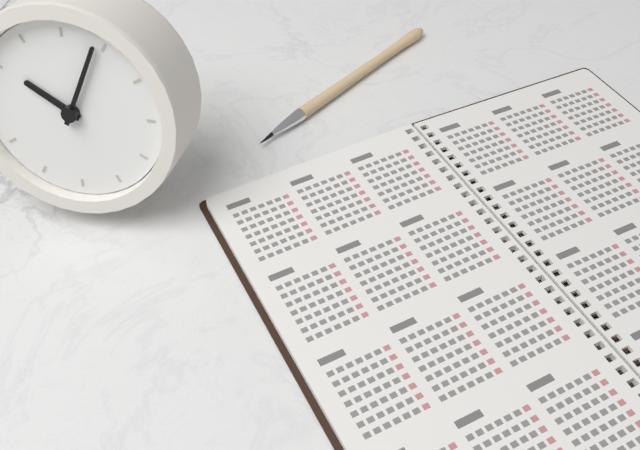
h=10 m=4
